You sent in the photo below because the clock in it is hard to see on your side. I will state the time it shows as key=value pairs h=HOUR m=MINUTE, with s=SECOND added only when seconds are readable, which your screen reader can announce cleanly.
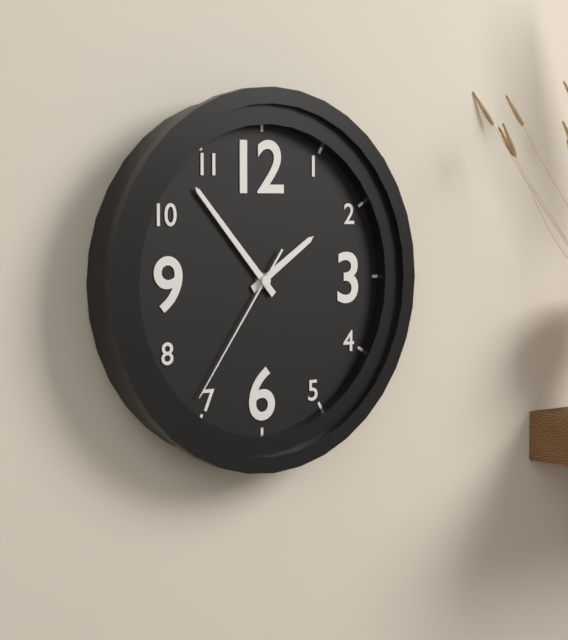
h=1 m=53 s=36
